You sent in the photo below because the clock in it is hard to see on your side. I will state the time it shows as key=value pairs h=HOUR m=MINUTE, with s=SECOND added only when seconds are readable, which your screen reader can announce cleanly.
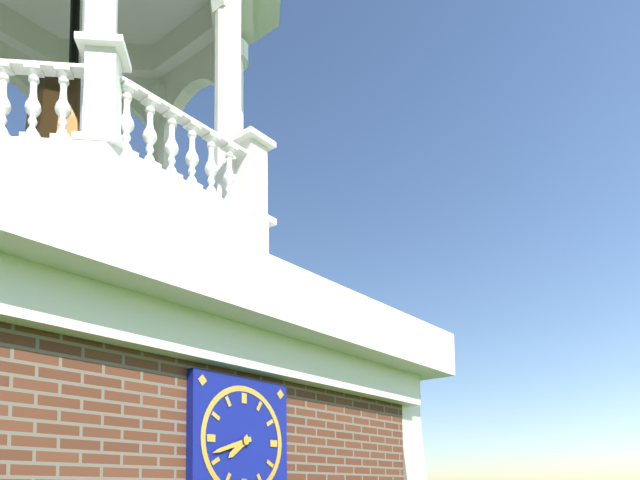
h=7 m=42
